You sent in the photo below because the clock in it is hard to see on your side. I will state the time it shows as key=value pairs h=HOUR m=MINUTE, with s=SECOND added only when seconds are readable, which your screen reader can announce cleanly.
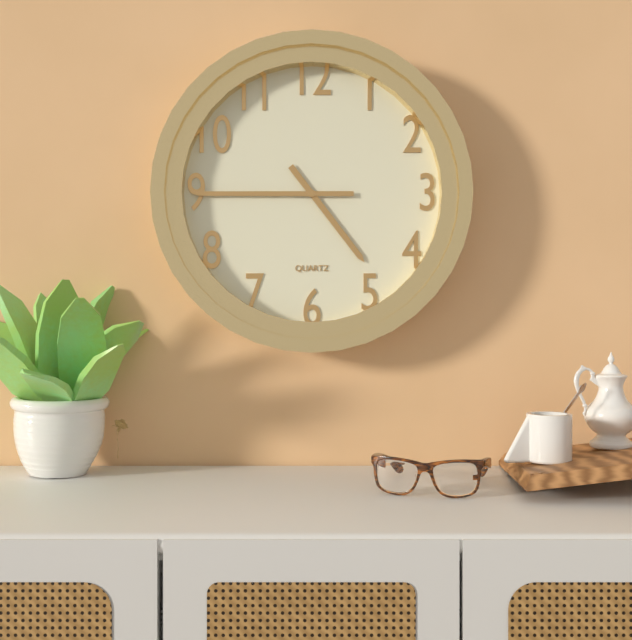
h=4 m=45
